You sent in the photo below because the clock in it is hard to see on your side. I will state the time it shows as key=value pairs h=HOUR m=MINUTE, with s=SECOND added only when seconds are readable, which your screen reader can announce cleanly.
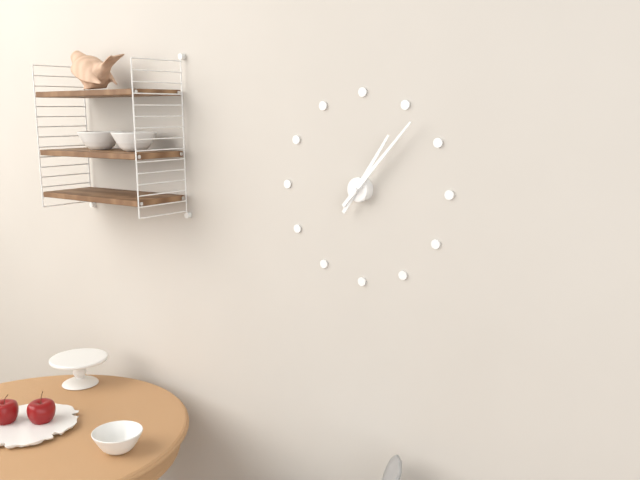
h=1 m=7
